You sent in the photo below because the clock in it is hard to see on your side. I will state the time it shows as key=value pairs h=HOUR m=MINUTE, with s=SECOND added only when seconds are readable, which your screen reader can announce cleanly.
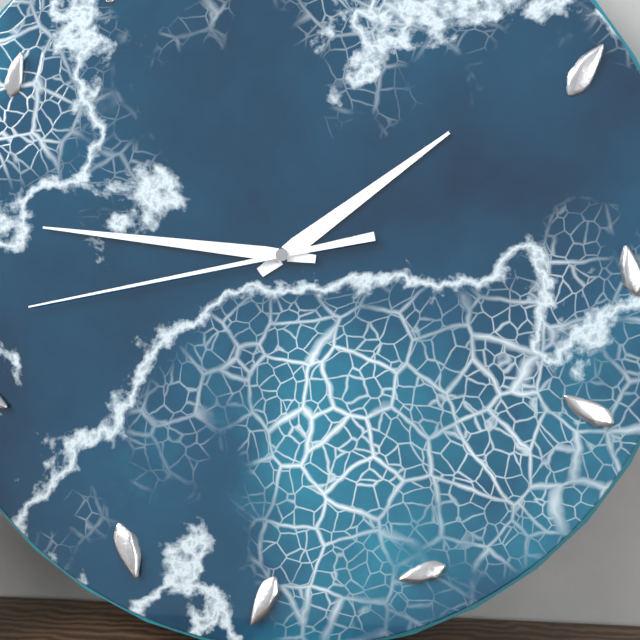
h=1 m=46 s=43
